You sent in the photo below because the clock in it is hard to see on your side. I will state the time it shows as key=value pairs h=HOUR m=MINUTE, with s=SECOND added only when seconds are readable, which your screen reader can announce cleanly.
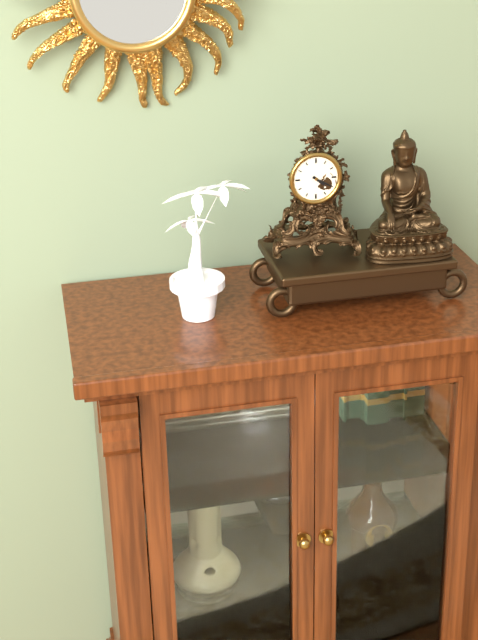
h=4 m=20
